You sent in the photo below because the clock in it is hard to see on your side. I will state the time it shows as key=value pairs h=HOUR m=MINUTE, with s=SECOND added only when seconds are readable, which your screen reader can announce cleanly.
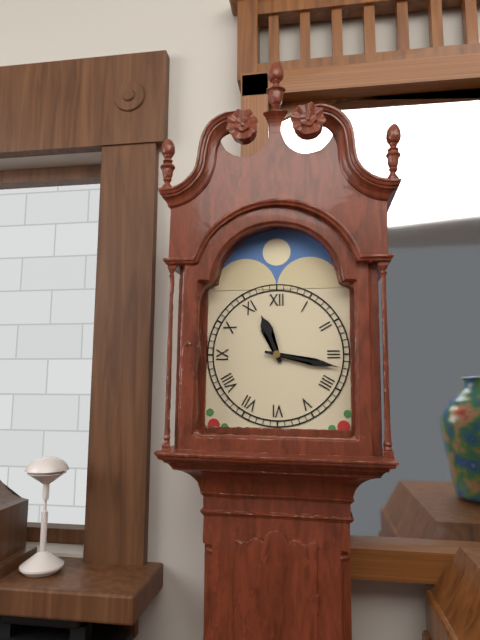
h=11 m=17
